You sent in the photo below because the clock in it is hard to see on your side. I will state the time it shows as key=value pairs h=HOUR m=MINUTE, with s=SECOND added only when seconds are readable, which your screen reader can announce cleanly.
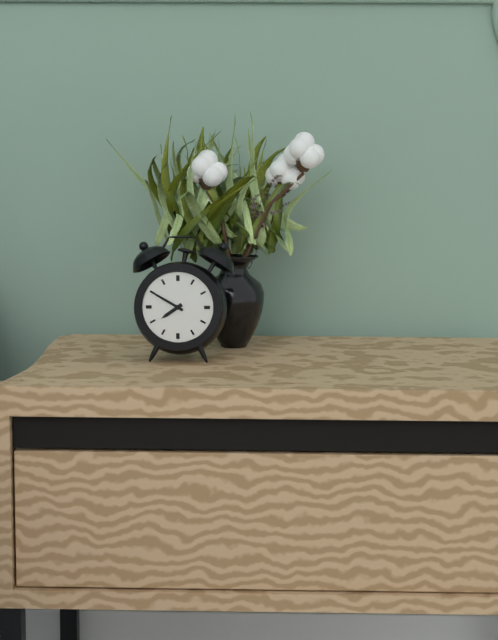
h=7 m=50
